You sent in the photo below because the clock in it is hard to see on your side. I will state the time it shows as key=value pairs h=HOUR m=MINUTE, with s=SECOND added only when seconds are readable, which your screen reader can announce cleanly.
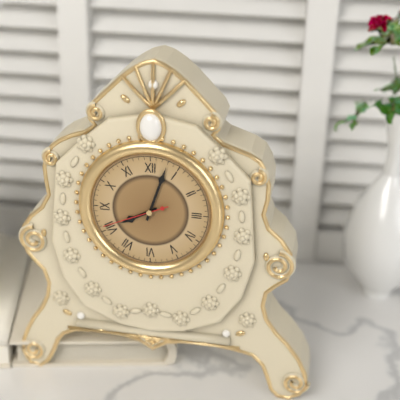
h=8 m=3 s=41
